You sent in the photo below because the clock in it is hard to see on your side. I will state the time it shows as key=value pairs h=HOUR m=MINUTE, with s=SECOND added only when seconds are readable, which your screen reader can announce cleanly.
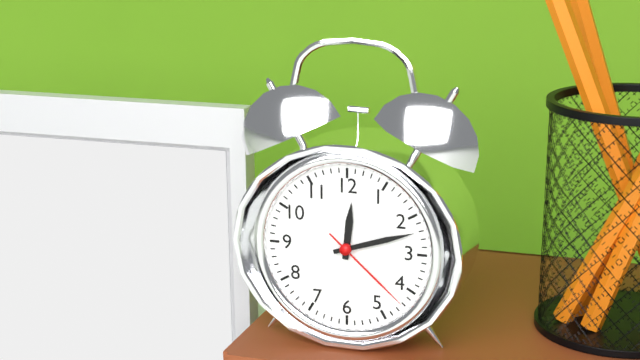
h=12 m=12 s=22
